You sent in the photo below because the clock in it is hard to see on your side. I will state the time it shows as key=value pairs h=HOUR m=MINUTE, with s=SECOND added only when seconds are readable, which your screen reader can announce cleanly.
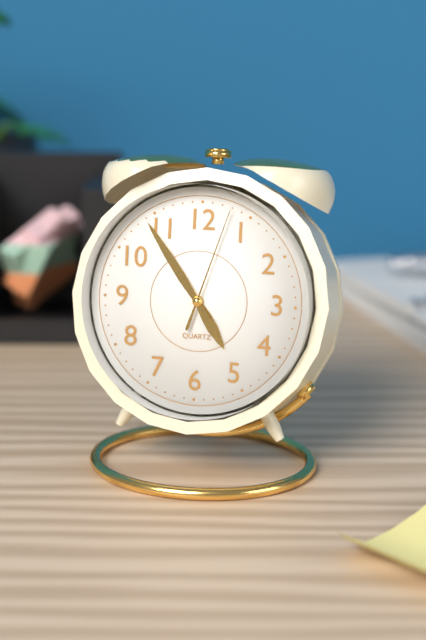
h=4 m=54 s=3
